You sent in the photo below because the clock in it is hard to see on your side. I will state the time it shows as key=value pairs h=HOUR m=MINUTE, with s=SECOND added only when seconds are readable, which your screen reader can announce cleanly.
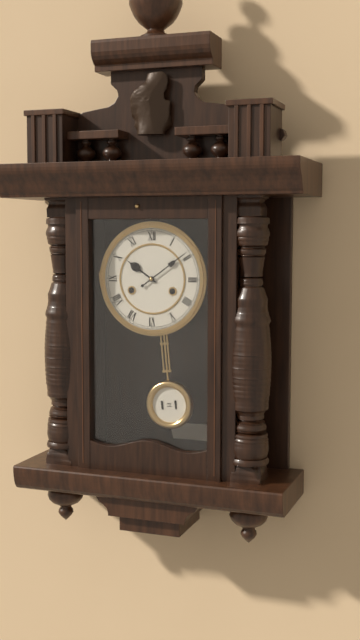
h=10 m=9
